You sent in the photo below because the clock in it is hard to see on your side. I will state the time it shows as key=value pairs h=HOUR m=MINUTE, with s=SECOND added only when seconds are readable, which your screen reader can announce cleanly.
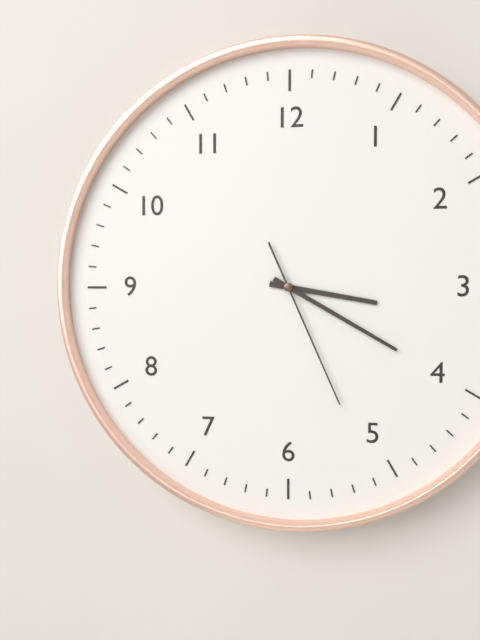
h=3 m=20 s=26
